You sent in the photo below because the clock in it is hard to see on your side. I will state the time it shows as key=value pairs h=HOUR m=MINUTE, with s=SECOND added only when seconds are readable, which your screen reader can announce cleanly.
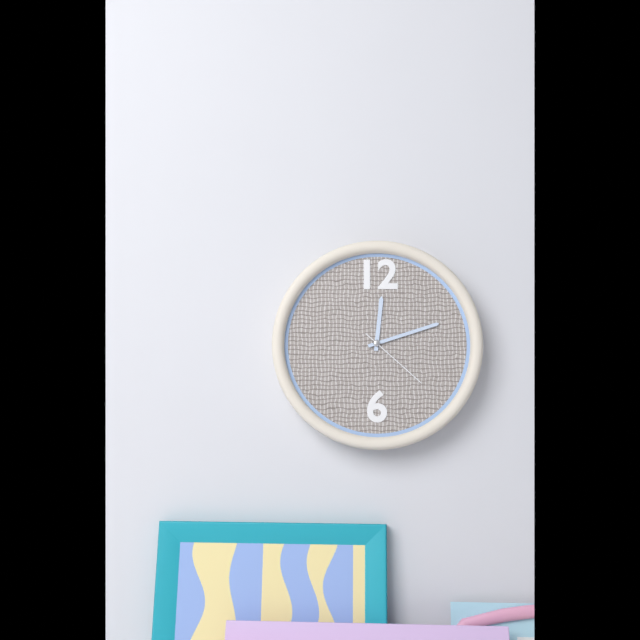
h=12 m=12 s=22
